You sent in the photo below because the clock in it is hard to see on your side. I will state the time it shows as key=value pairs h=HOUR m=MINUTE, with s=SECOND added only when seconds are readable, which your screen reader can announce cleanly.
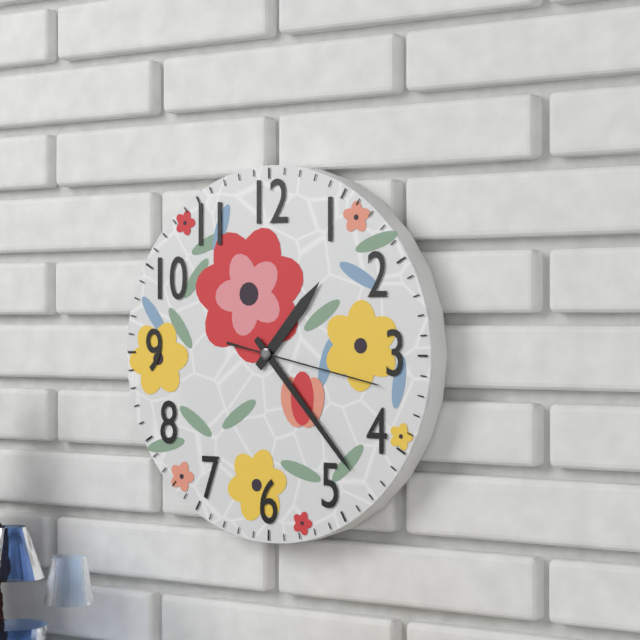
h=1 m=23 s=17
